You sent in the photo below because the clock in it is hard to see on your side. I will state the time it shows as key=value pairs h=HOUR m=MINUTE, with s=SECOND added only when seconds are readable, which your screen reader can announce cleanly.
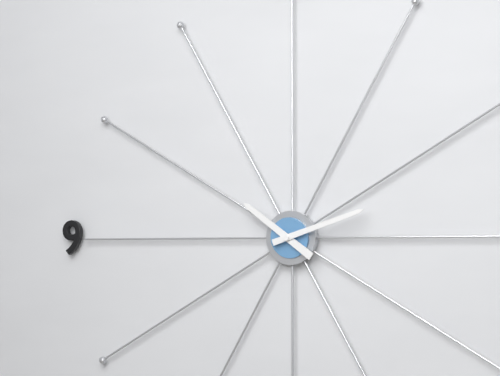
h=10 m=12
